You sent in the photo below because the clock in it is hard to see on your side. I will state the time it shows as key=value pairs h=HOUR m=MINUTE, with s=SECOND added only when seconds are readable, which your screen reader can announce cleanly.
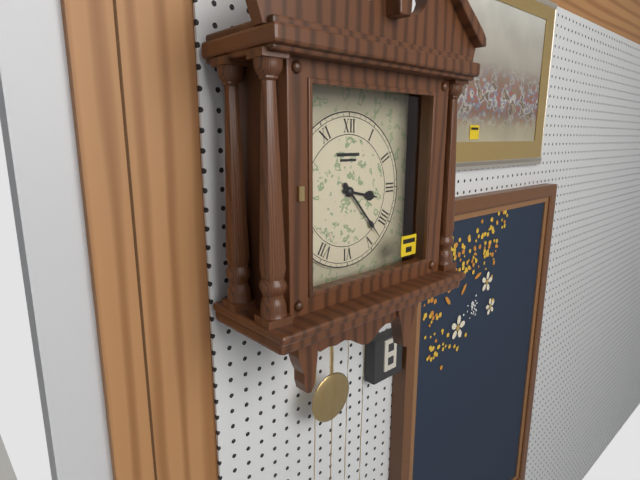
h=3 m=23
